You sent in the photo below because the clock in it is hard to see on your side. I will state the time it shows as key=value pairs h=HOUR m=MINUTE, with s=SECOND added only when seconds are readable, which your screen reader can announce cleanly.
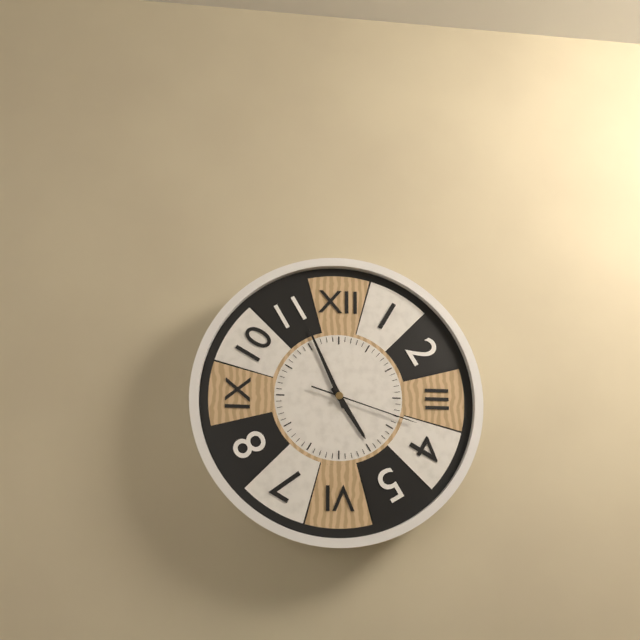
h=4 m=56 s=18
